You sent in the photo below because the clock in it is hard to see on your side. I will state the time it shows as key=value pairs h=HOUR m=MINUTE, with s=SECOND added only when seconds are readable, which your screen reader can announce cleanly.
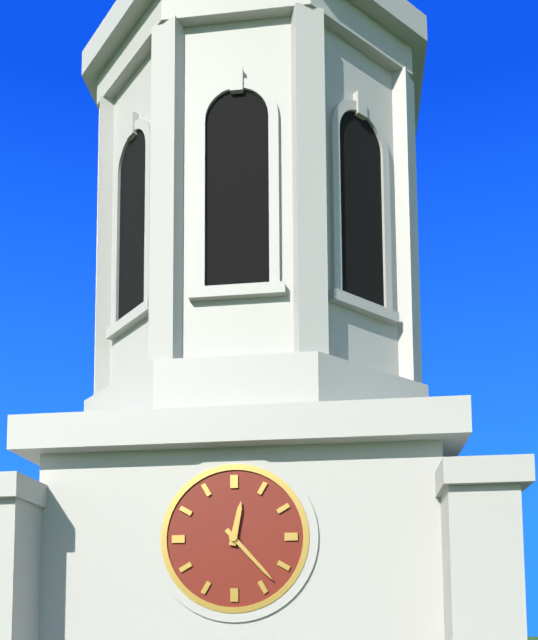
h=12 m=23
